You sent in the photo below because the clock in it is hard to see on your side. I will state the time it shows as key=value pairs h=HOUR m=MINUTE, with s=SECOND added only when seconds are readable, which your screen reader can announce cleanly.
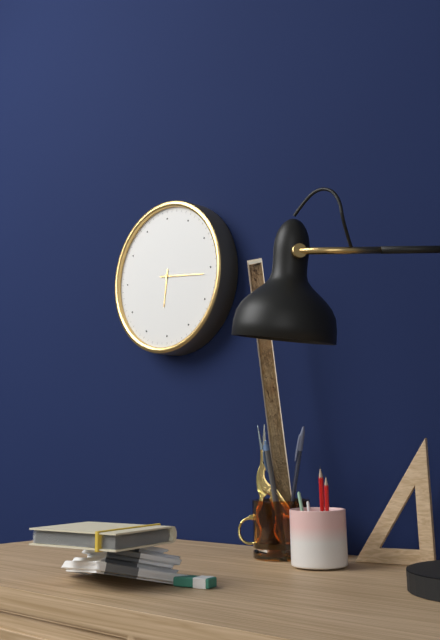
h=6 m=16
